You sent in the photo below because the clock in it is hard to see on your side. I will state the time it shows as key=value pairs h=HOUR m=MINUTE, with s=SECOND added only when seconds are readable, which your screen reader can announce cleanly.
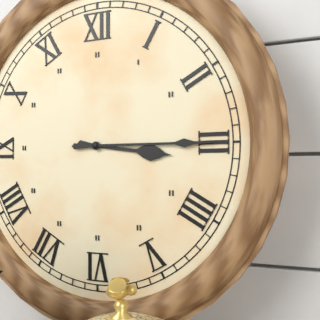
h=3 m=15
